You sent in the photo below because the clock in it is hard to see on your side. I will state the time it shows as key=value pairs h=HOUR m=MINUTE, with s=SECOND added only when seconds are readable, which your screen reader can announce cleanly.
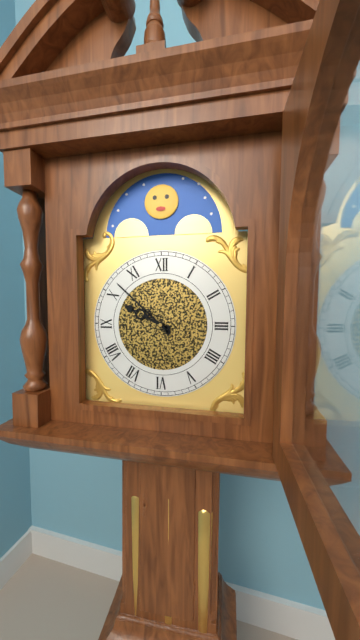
h=9 m=52
